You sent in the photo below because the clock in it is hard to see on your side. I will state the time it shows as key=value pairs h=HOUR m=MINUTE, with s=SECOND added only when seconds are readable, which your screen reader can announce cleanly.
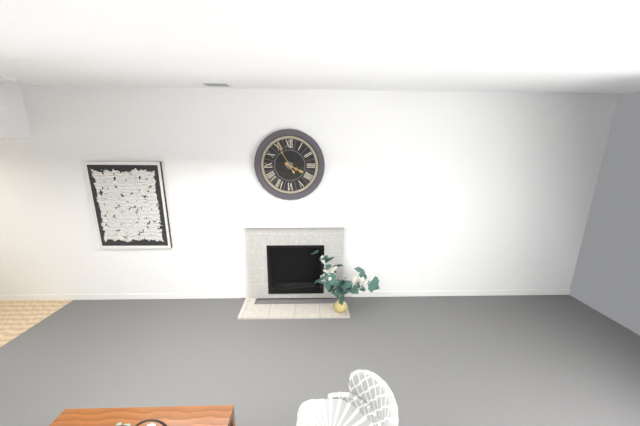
h=3 m=55
